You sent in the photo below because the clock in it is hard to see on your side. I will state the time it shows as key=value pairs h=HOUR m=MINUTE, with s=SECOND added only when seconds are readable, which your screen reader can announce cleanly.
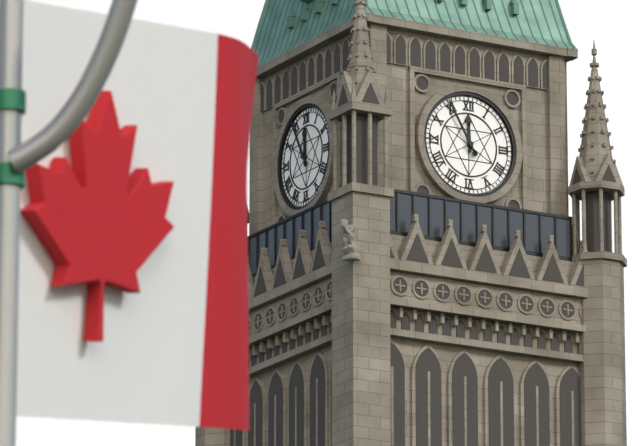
h=11 m=55
